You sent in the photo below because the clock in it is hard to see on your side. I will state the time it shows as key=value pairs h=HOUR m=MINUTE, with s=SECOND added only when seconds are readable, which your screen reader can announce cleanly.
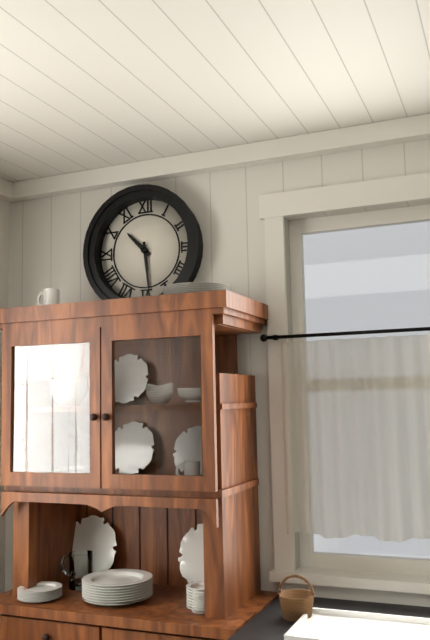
h=10 m=29
